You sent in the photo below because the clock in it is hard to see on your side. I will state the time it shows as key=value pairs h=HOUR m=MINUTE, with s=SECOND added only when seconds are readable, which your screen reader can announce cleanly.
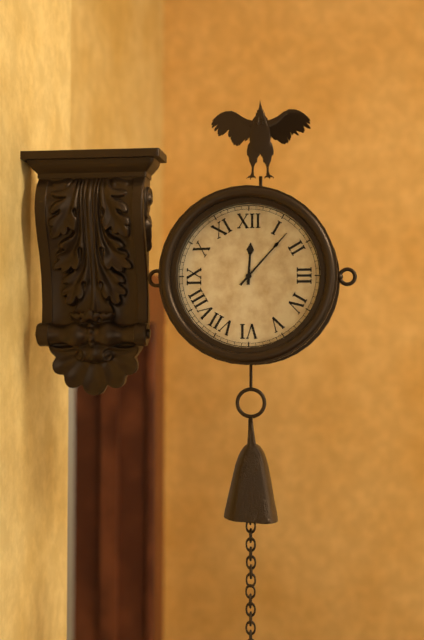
h=12 m=7
